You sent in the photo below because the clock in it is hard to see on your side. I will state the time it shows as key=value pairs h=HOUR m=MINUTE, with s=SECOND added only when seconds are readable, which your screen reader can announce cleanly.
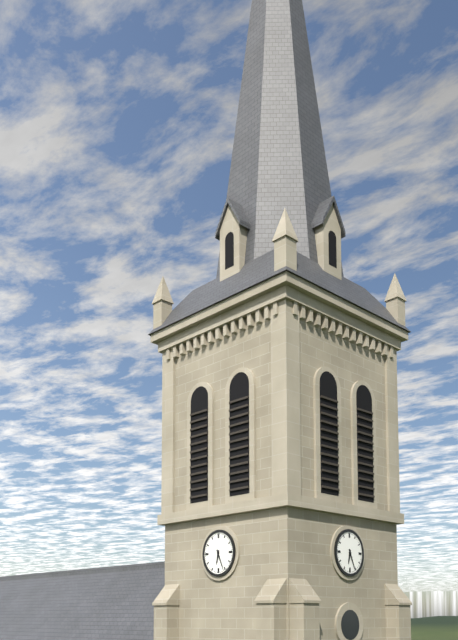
h=6 m=26
